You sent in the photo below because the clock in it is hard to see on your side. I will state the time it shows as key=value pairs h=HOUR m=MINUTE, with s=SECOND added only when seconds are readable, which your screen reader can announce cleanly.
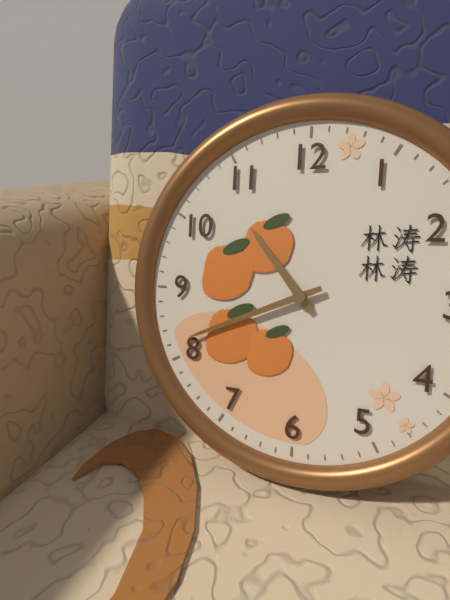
h=10 m=41
